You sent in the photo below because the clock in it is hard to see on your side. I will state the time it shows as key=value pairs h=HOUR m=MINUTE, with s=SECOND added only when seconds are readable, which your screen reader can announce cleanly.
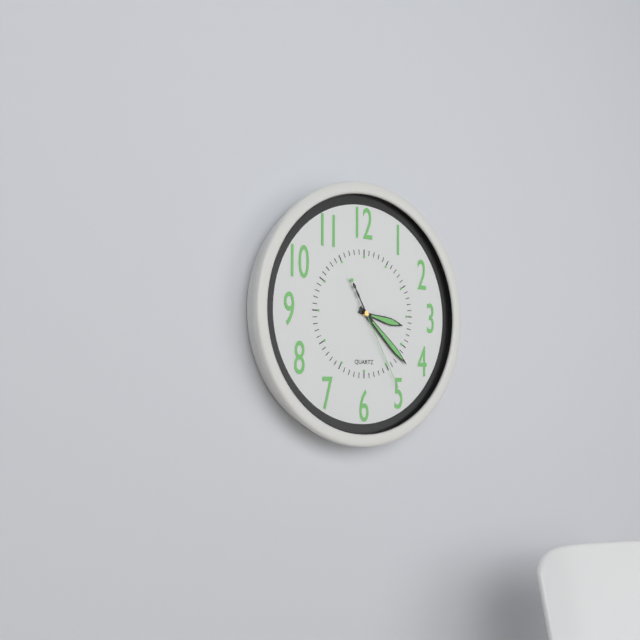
h=3 m=22 s=25
